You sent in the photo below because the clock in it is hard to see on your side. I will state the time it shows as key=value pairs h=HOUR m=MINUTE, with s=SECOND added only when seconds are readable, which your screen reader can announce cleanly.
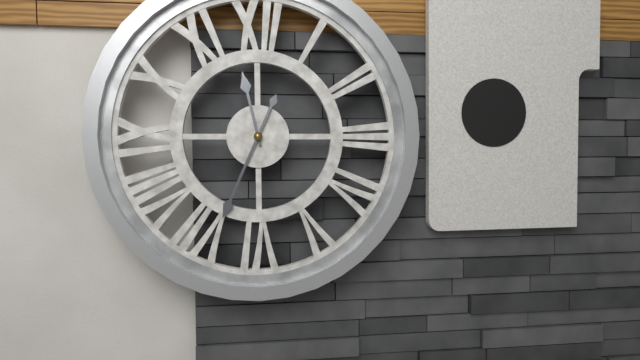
h=11 m=34
